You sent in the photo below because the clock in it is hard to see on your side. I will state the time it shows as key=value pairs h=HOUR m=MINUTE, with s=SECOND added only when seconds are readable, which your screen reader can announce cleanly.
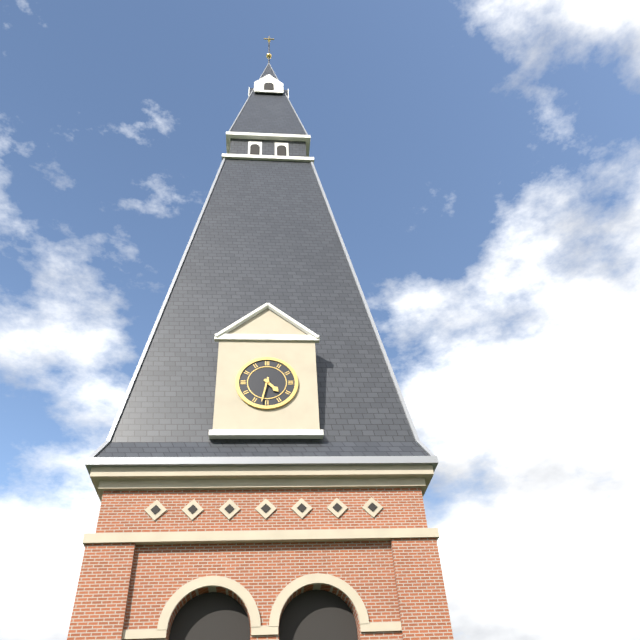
h=4 m=32
